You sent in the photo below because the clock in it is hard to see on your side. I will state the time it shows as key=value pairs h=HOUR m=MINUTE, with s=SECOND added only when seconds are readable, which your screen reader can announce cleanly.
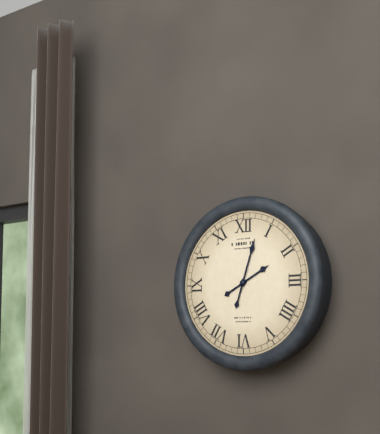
h=2 m=3
